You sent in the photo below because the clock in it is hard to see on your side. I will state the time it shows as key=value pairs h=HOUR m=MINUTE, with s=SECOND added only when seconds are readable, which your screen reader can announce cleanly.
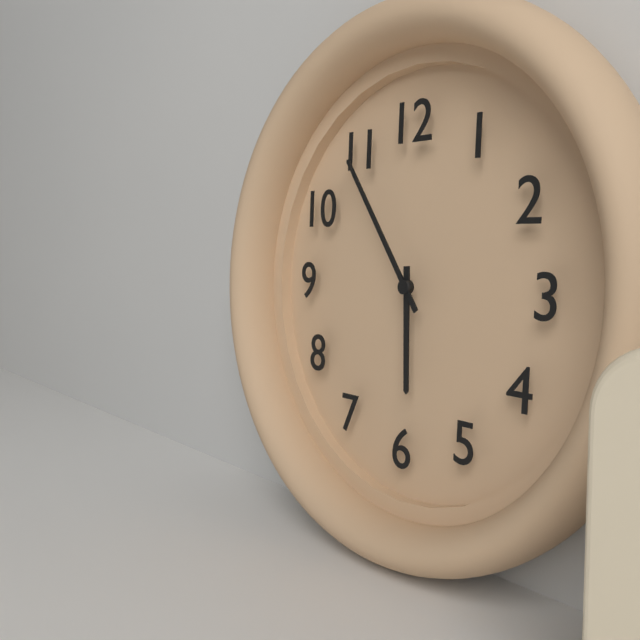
h=5 m=54
